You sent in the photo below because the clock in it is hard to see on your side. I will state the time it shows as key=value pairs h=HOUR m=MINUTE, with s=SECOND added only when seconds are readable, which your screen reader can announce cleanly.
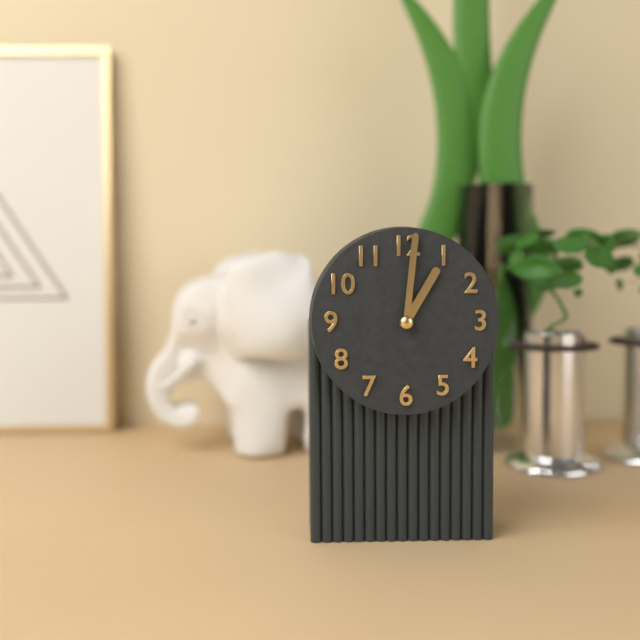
h=1 m=1
